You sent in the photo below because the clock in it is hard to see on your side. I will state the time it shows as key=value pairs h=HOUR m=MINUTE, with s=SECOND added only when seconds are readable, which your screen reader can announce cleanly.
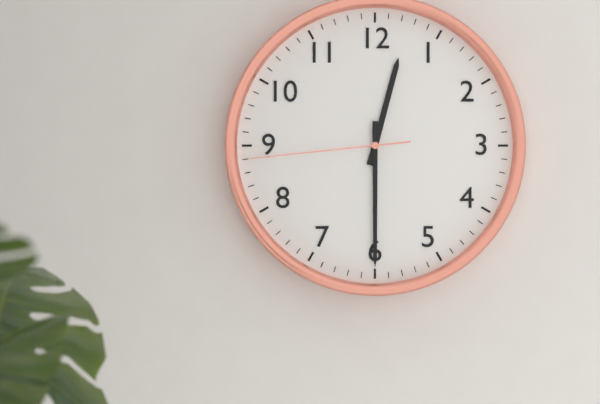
h=12 m=30 s=44
